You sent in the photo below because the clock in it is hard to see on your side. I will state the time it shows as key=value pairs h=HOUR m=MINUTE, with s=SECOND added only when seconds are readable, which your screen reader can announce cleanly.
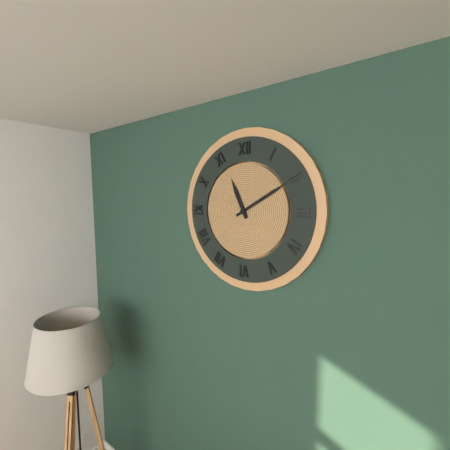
h=11 m=10
